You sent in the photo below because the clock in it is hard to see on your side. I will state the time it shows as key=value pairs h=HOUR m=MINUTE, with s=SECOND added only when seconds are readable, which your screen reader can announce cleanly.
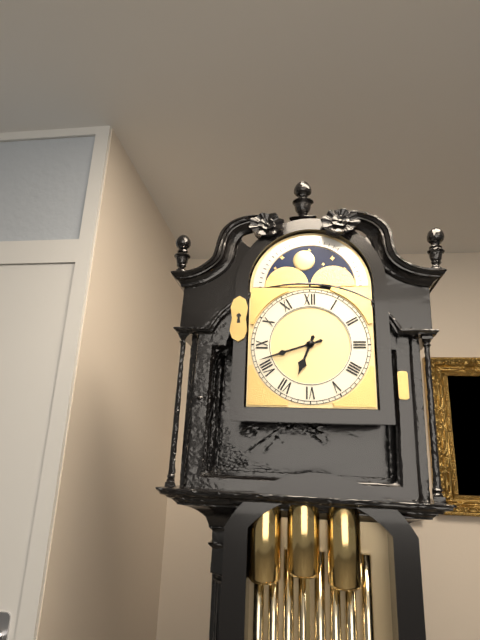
h=6 m=42
